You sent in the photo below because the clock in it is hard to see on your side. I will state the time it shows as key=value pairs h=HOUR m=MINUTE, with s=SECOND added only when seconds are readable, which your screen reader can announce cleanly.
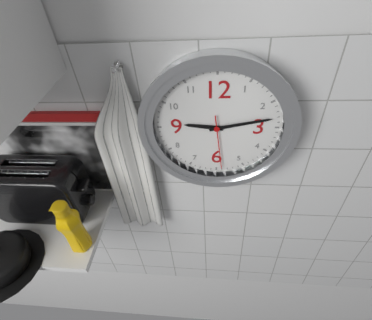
h=9 m=13 s=29
